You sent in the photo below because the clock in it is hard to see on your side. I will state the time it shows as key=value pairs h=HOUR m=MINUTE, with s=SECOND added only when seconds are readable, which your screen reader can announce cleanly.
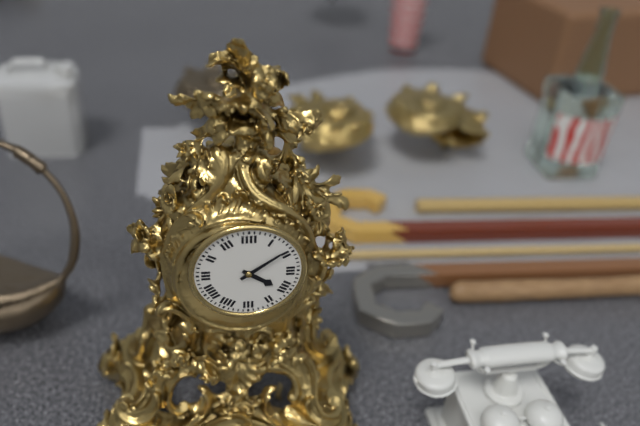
h=4 m=9
